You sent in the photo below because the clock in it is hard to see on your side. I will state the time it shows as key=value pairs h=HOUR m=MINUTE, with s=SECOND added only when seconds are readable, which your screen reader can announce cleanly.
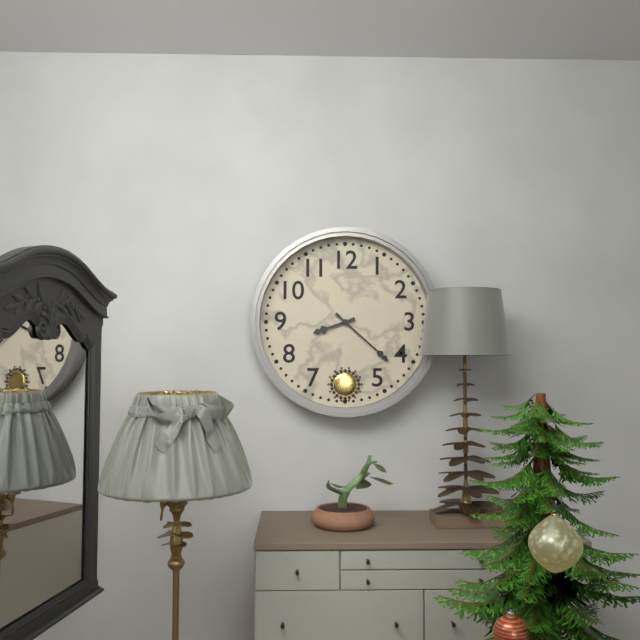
h=8 m=22
